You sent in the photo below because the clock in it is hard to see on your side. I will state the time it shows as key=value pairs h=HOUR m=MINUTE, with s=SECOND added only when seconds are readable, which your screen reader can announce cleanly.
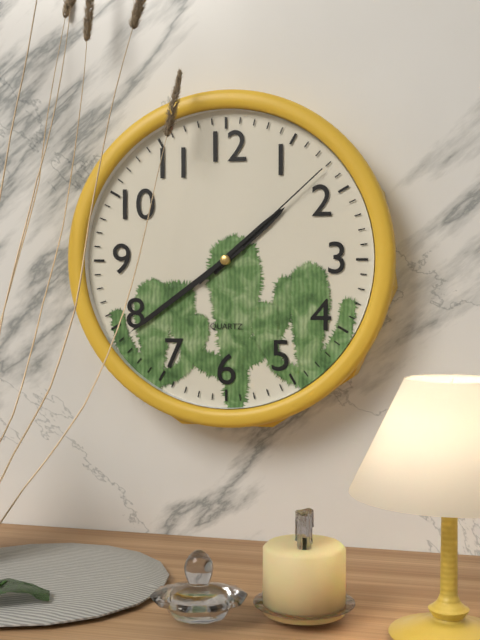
h=1 m=39 s=8
